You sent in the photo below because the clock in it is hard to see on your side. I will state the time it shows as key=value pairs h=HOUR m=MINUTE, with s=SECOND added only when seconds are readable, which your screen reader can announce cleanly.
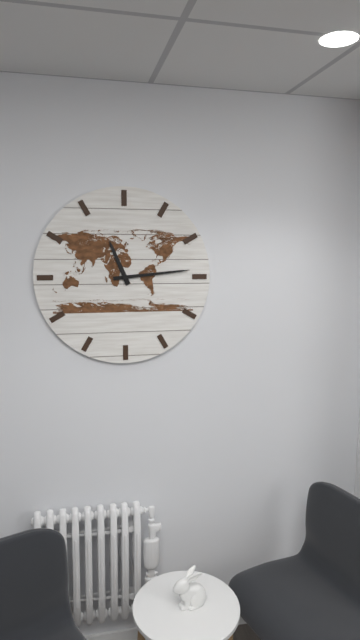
h=11 m=14
